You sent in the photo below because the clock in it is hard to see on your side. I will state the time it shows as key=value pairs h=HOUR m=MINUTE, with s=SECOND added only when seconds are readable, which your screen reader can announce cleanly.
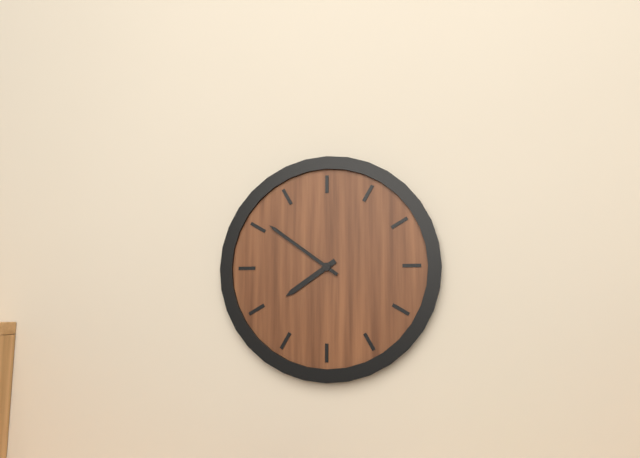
h=7 m=51
